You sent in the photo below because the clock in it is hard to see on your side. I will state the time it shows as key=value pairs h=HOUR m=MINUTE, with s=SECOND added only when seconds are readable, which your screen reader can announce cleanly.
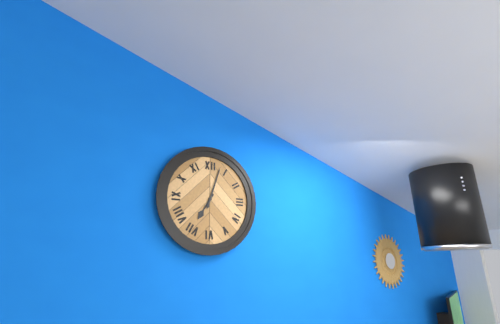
h=7 m=3
